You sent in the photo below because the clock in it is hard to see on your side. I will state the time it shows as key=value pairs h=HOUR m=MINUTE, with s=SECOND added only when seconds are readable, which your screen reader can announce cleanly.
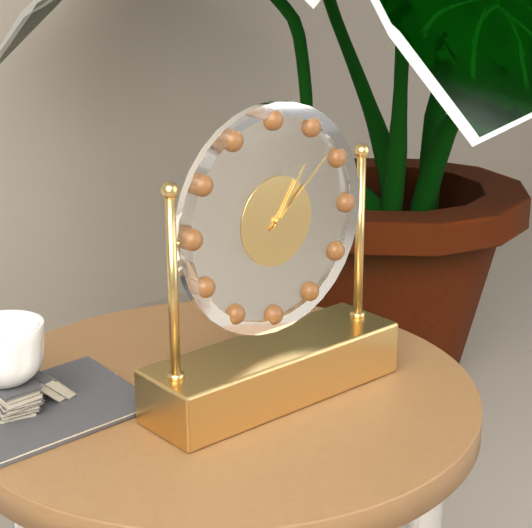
h=1 m=8
